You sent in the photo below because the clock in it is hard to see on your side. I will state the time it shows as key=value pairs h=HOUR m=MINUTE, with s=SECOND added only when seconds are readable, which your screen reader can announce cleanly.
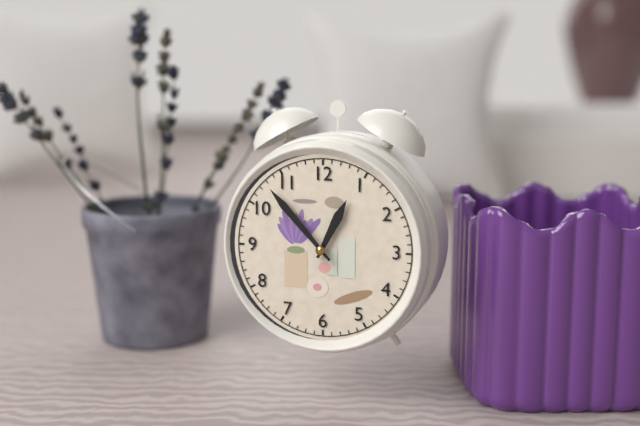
h=12 m=53
